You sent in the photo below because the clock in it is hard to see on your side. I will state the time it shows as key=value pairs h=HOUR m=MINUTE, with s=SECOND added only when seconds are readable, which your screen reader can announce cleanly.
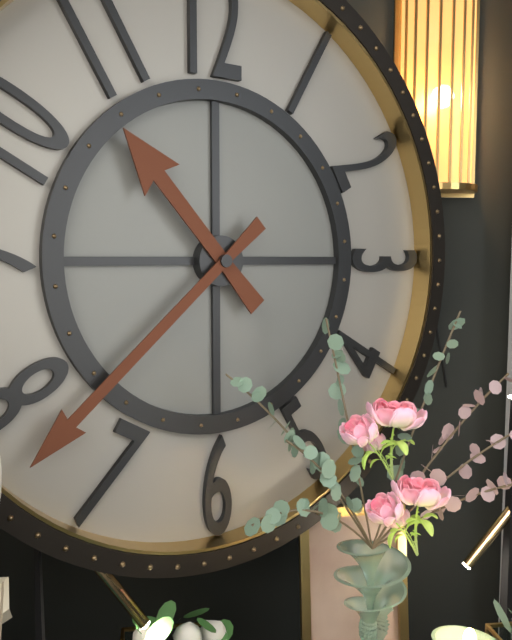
h=10 m=38
